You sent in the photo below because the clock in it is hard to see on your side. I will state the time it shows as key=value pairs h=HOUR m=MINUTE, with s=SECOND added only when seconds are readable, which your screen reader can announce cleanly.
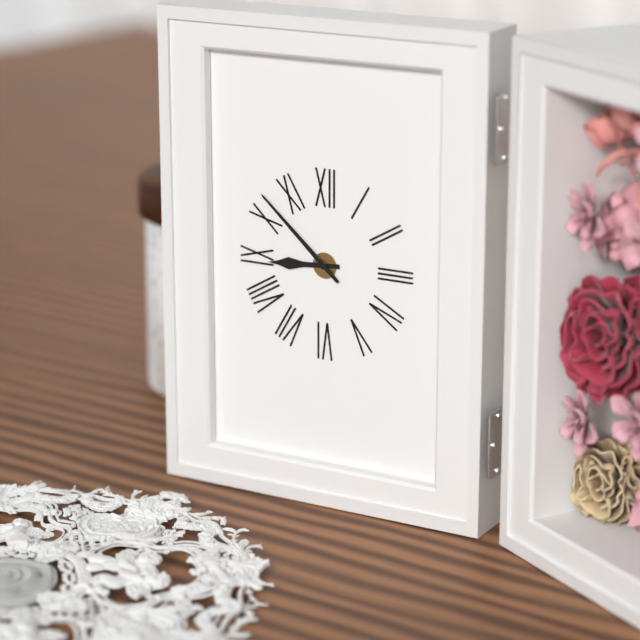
h=8 m=52
